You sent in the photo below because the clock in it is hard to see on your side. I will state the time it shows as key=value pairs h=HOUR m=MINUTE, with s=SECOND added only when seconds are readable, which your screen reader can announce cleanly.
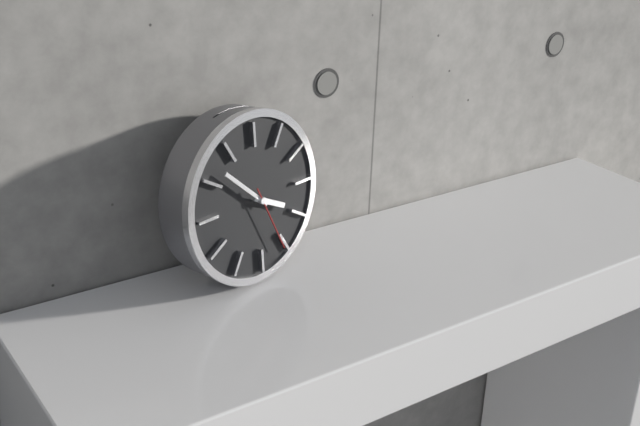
h=3 m=52 s=26
